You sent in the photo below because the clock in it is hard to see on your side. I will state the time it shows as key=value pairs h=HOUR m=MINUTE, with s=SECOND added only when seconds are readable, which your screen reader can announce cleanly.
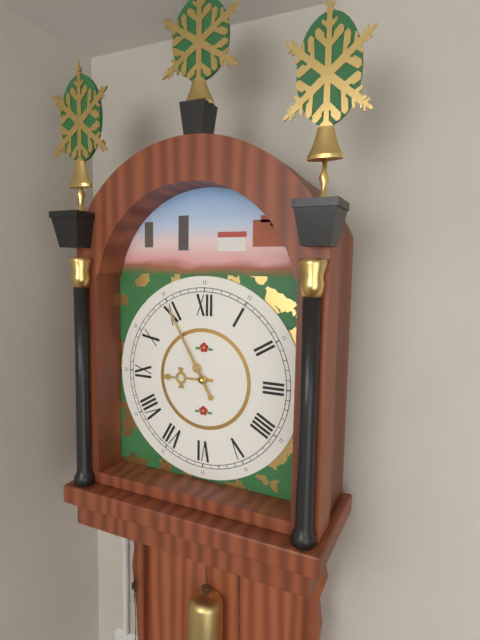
h=8 m=55
